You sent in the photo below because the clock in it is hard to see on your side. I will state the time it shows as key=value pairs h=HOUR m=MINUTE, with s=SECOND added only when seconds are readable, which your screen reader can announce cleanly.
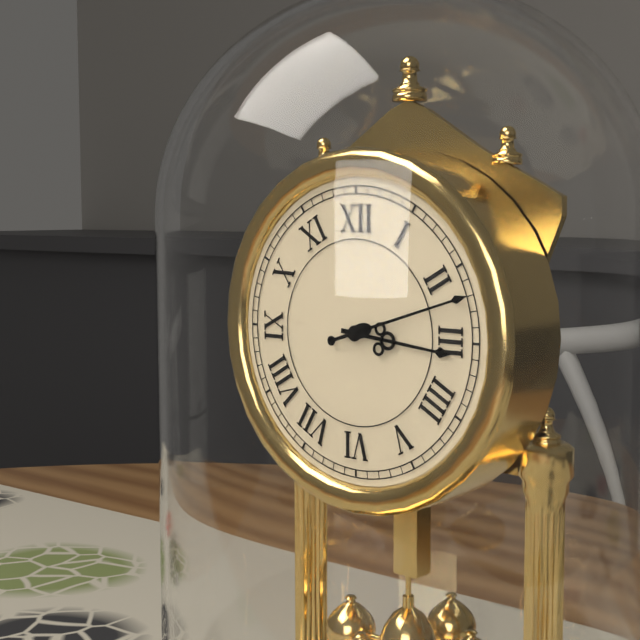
h=3 m=12
